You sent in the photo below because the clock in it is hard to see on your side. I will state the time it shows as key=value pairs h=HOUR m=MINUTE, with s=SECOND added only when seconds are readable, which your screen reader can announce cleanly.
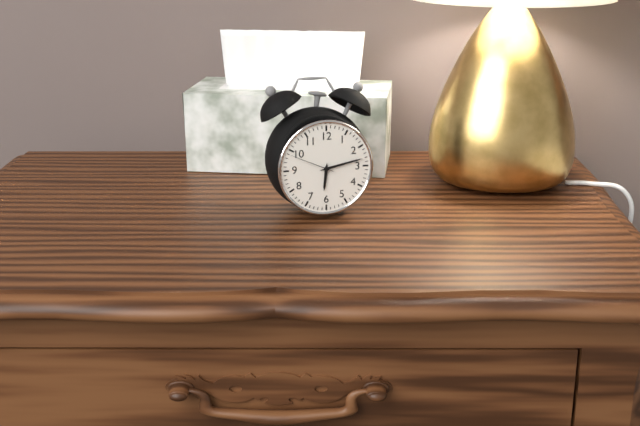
h=6 m=13
